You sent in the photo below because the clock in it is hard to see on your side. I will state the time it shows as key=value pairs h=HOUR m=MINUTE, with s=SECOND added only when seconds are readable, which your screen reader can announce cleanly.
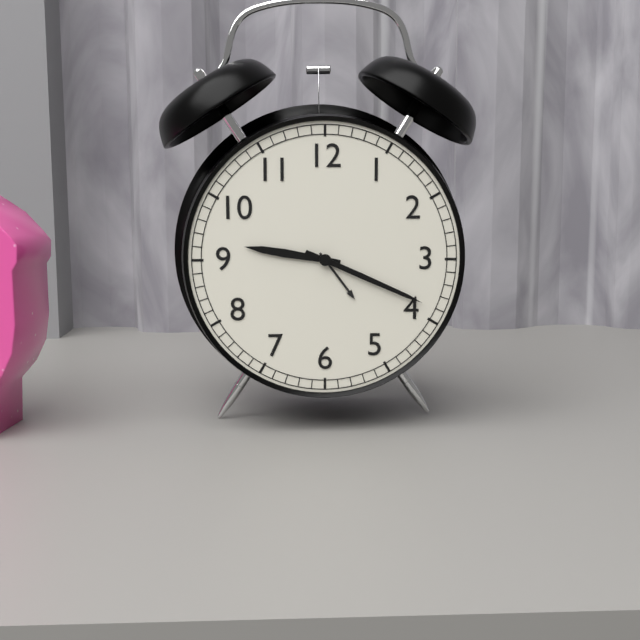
h=9 m=19
